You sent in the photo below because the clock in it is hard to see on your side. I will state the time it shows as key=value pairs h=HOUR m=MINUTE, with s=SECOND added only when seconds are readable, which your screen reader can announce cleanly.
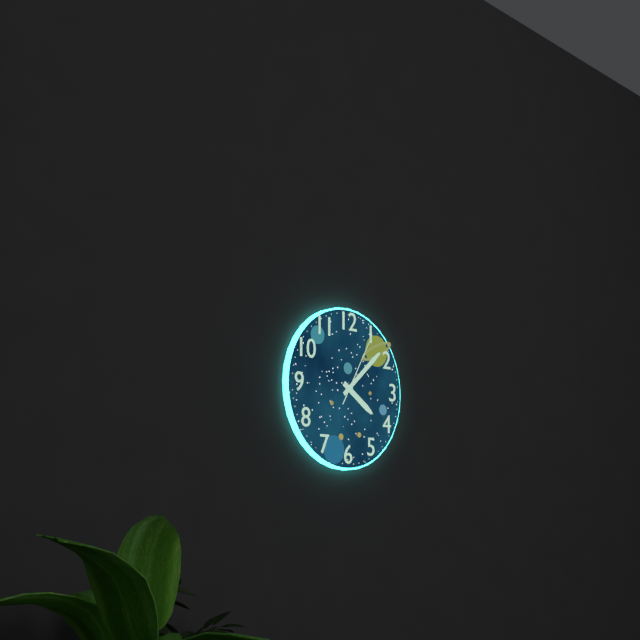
h=4 m=8 s=5
